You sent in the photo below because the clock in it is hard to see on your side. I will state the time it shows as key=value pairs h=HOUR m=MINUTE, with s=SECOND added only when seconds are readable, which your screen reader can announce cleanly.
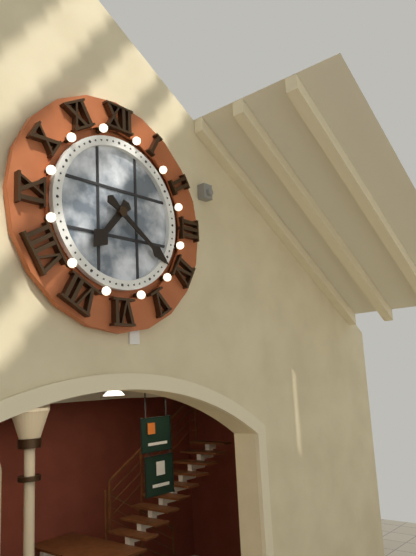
h=7 m=21
